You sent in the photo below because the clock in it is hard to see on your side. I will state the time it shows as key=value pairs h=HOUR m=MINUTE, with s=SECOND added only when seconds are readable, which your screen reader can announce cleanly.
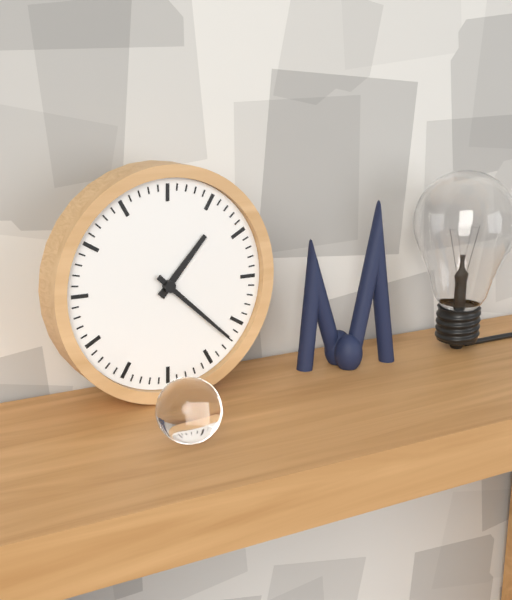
h=1 m=22
